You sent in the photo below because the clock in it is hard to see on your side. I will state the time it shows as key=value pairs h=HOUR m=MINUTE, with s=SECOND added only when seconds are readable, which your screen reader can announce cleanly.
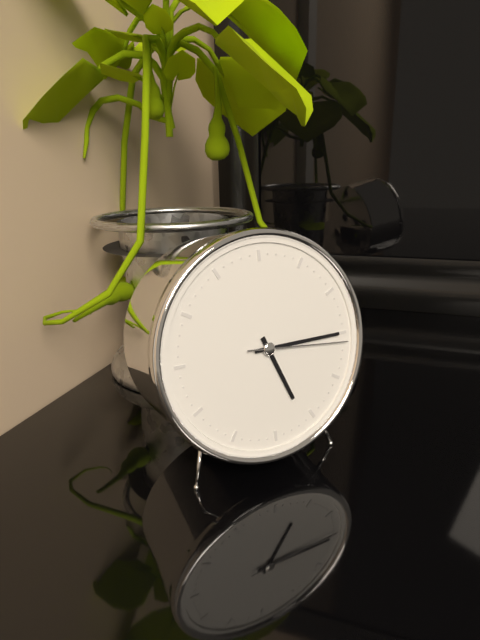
h=5 m=15 s=16
